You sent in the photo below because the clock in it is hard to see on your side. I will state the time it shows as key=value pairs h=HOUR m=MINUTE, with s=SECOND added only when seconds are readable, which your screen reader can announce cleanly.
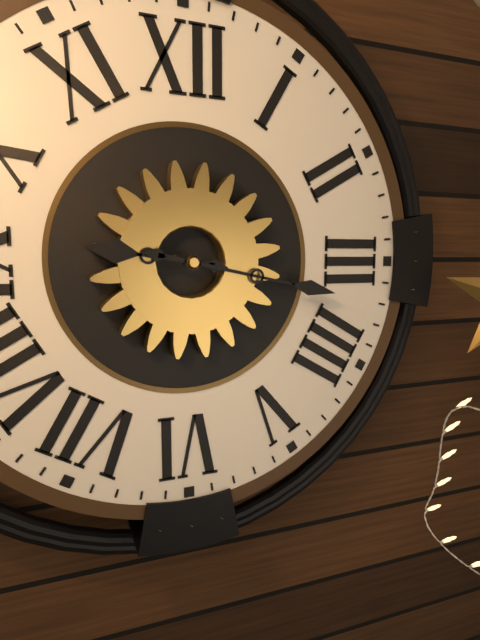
h=9 m=17
